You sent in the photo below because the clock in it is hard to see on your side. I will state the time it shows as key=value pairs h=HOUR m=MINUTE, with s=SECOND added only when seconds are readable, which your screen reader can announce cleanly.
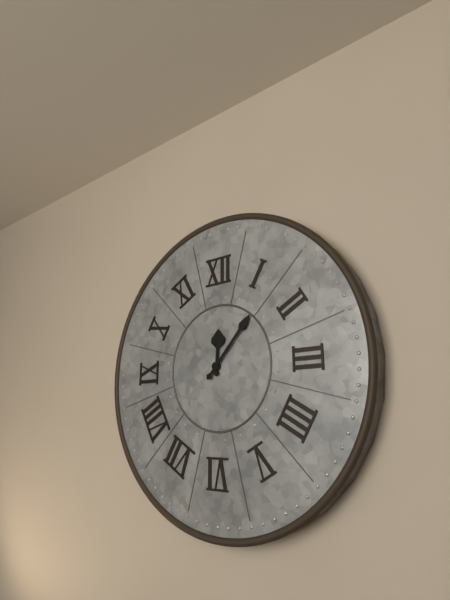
h=12 m=7
